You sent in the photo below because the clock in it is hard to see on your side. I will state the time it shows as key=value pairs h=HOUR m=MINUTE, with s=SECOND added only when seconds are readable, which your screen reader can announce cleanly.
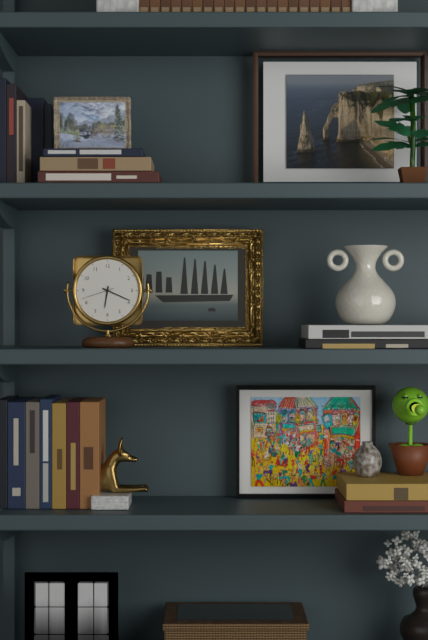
h=6 m=19
